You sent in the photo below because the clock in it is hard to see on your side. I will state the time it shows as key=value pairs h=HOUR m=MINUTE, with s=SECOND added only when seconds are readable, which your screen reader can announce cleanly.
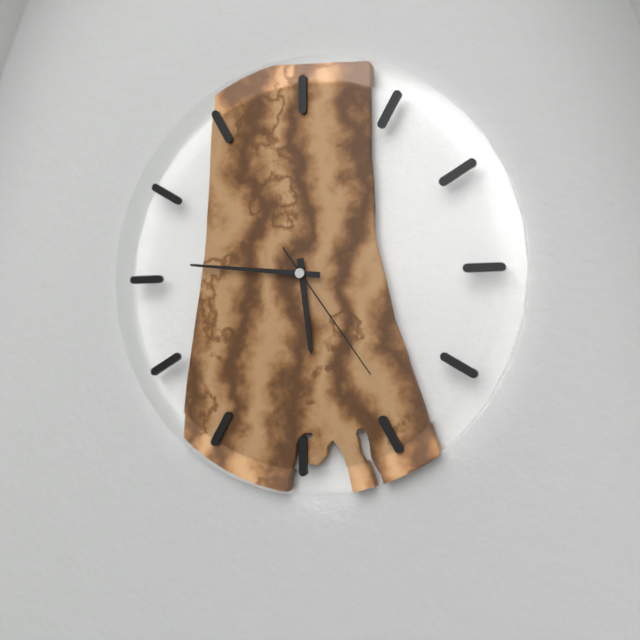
h=5 m=46 s=24
